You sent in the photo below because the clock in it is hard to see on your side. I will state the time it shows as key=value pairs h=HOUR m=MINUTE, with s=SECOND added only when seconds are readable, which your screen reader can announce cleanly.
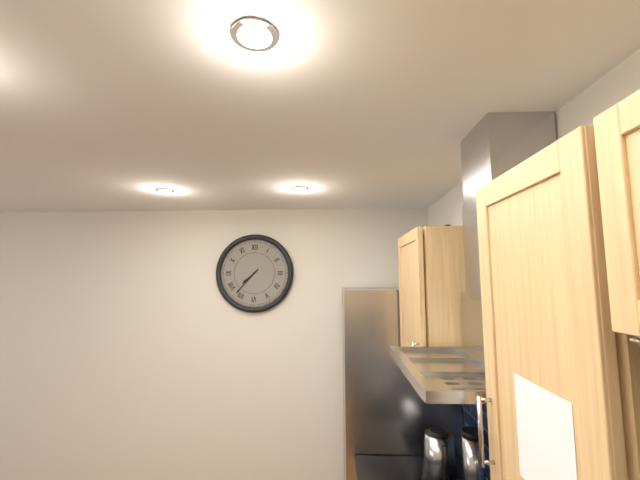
h=7 m=37
